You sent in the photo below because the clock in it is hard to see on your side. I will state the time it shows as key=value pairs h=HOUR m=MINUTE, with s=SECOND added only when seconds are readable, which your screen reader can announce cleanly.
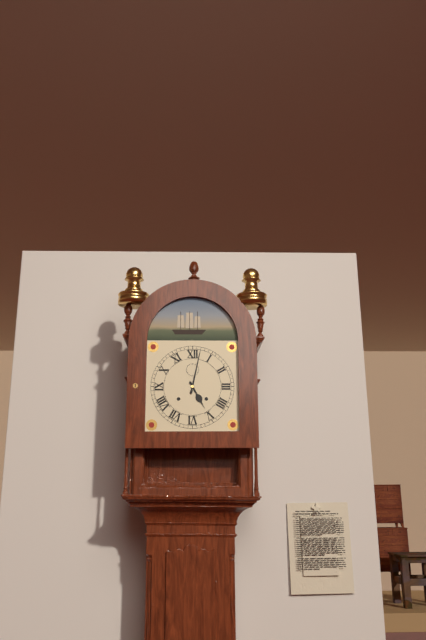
h=5 m=2
